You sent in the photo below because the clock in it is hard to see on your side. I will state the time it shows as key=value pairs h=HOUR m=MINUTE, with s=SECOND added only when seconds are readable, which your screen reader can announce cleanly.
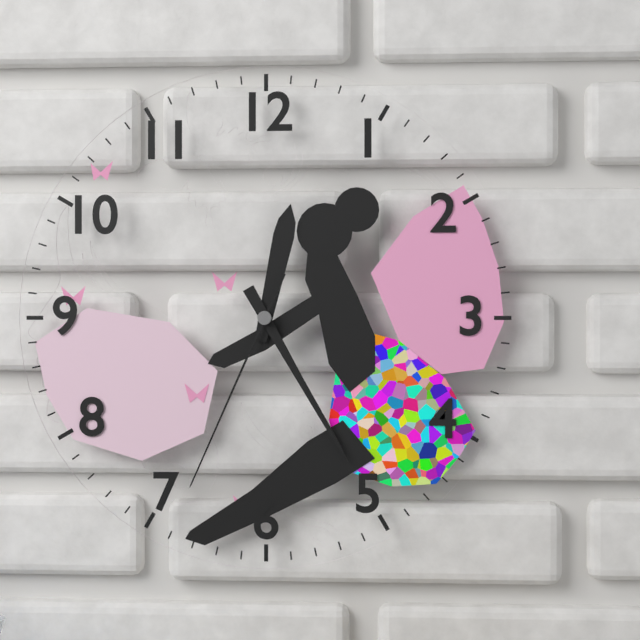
h=12 m=25 s=34
